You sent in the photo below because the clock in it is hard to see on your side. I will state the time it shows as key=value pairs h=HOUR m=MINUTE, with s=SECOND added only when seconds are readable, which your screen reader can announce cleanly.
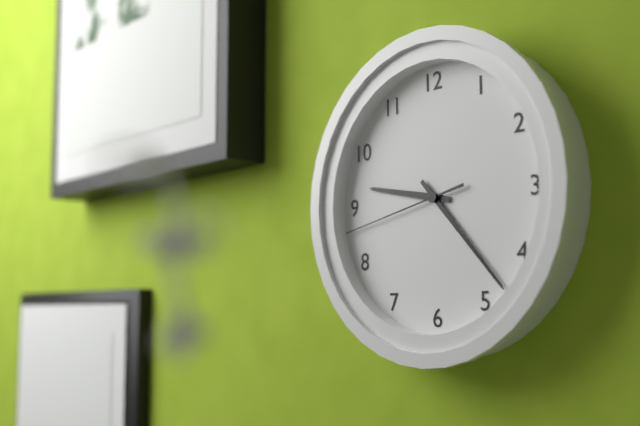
h=9 m=23 s=43
